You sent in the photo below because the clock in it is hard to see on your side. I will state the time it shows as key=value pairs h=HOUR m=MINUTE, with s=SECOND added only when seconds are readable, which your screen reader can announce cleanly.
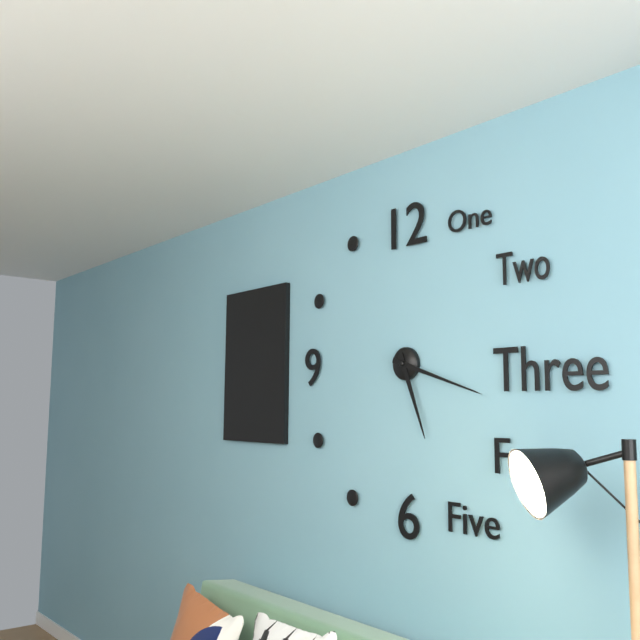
h=5 m=18
